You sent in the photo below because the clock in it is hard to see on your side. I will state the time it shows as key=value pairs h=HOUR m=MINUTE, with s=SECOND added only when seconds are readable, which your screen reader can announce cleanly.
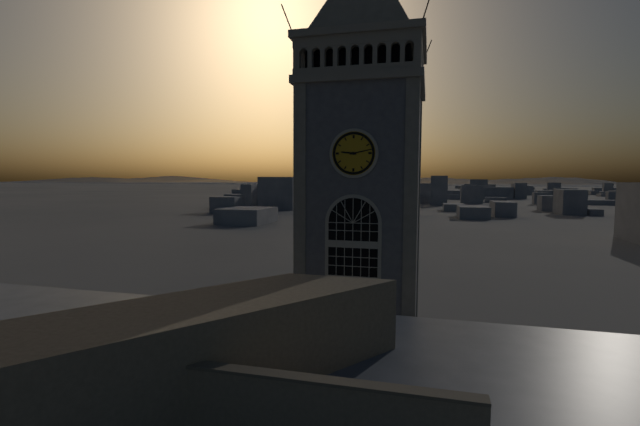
h=9 m=13
